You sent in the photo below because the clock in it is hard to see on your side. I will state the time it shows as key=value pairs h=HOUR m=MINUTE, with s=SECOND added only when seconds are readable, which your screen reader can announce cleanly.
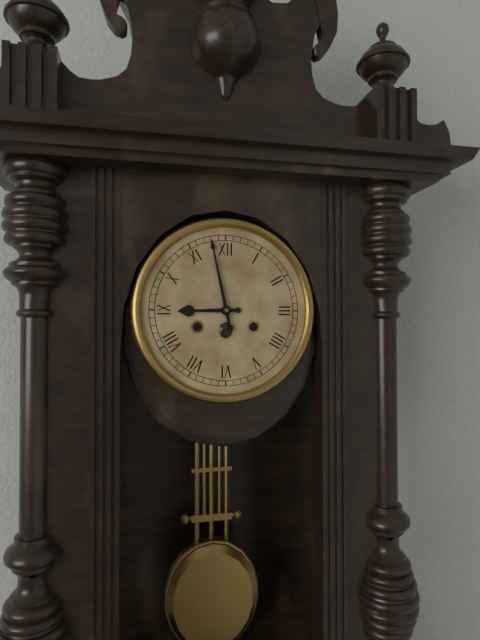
h=8 m=58
